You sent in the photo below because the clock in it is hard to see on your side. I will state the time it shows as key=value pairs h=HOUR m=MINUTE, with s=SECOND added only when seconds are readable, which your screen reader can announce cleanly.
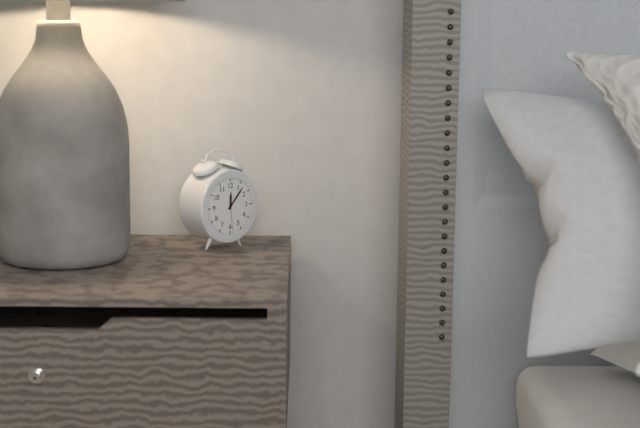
h=12 m=7
